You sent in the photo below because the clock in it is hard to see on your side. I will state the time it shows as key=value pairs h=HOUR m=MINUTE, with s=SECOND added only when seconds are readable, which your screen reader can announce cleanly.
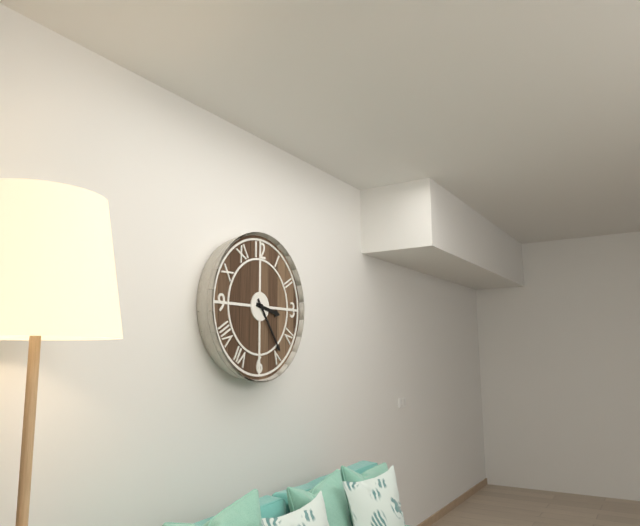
h=3 m=24
